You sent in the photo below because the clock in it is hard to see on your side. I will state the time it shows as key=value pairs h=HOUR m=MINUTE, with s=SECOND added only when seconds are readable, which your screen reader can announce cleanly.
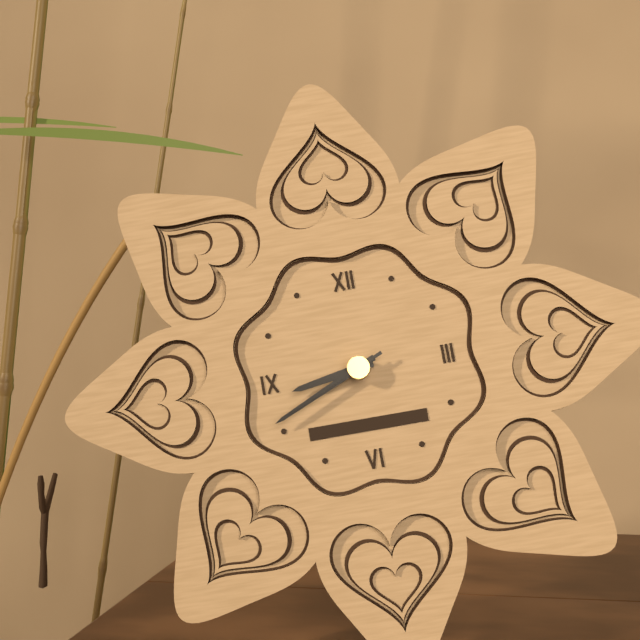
h=8 m=41 s=41
